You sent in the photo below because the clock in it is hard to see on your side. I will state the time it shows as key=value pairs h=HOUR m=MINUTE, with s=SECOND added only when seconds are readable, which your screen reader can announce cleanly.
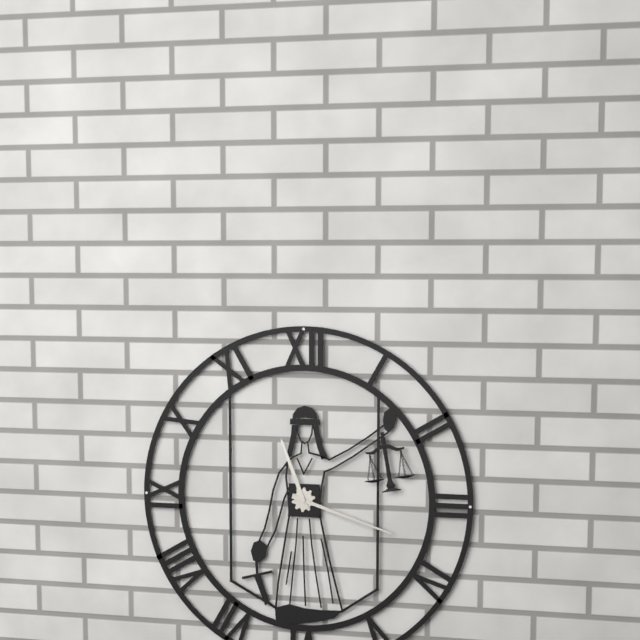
h=11 m=18
